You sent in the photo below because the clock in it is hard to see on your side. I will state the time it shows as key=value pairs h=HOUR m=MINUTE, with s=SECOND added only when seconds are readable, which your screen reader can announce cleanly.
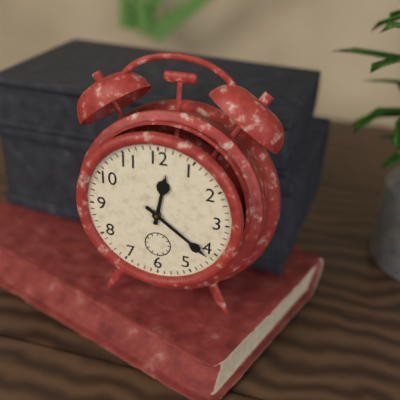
h=12 m=21
